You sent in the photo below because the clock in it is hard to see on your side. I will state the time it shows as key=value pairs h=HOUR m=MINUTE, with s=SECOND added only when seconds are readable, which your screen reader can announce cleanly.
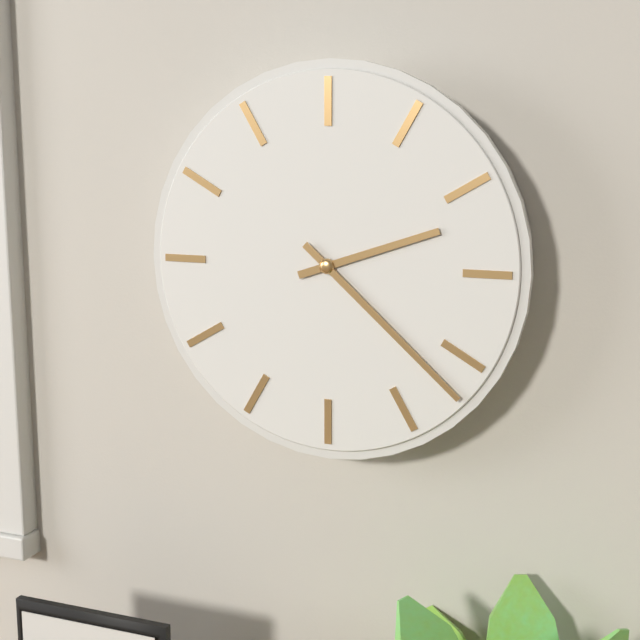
h=2 m=22
